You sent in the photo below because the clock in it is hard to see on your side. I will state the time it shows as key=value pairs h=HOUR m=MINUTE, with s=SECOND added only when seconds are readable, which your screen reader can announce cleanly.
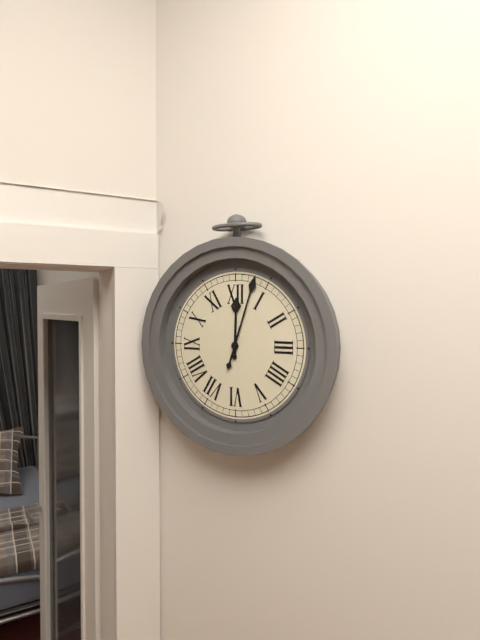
h=12 m=3
